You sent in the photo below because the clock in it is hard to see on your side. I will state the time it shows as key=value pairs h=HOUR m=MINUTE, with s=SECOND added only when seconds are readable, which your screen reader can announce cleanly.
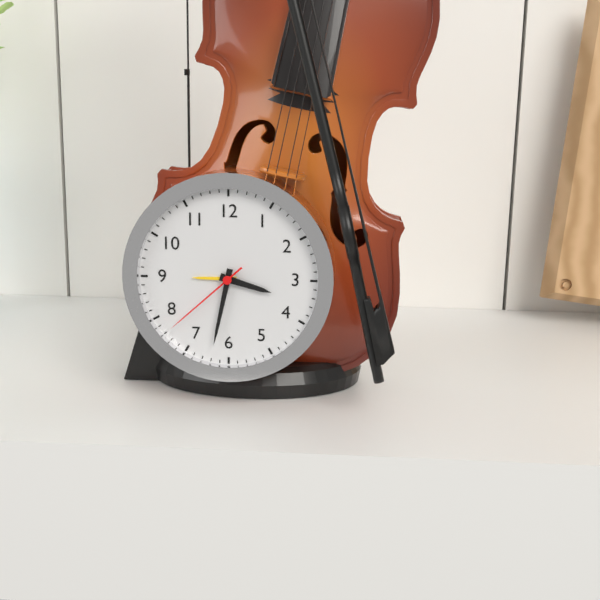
h=3 m=32 s=38
